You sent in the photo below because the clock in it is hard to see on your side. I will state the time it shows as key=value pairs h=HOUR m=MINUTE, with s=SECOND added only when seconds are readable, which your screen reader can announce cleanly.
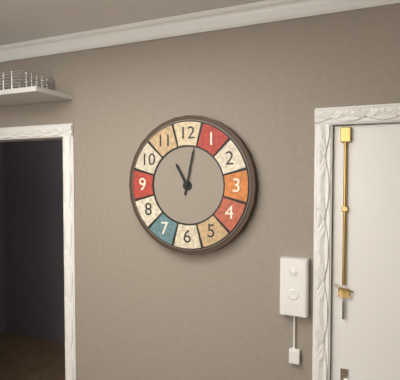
h=11 m=2
